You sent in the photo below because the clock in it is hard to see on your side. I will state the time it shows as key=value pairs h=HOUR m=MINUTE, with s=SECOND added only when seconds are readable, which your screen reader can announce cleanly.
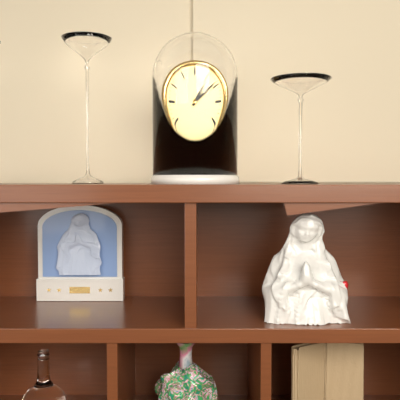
h=1 m=9
